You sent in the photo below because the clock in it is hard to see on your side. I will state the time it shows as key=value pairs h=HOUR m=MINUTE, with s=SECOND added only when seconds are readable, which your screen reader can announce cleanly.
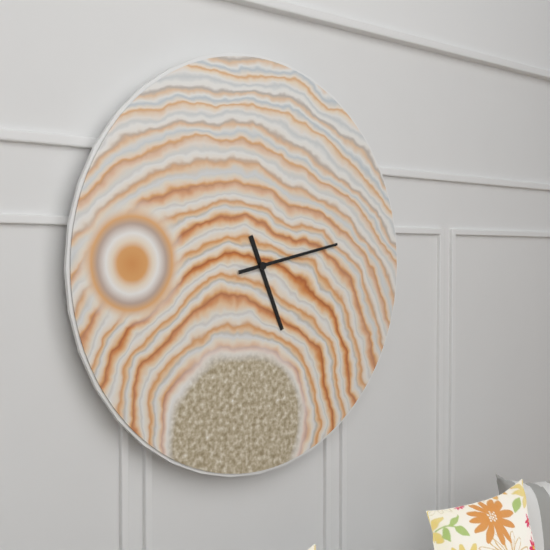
h=5 m=13
